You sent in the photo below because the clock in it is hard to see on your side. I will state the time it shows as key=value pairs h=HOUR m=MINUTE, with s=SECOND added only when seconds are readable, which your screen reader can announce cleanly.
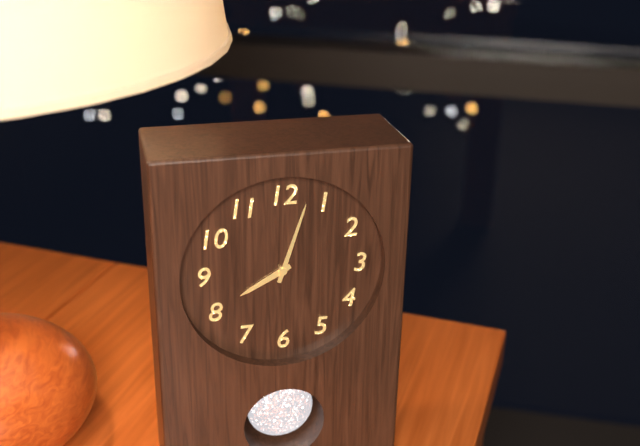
h=8 m=3
